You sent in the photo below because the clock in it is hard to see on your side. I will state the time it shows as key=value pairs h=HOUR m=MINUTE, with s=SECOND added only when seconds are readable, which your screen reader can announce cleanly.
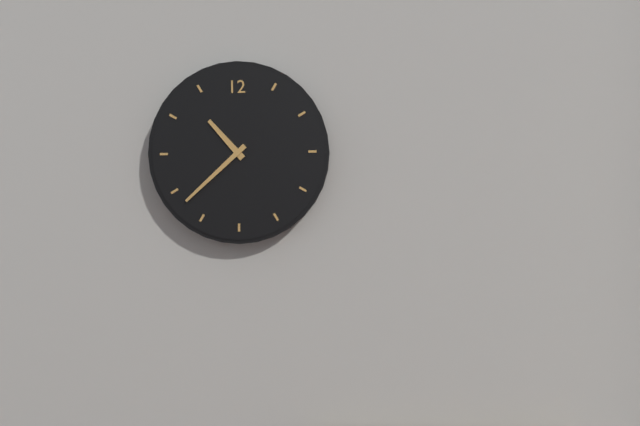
h=10 m=38
